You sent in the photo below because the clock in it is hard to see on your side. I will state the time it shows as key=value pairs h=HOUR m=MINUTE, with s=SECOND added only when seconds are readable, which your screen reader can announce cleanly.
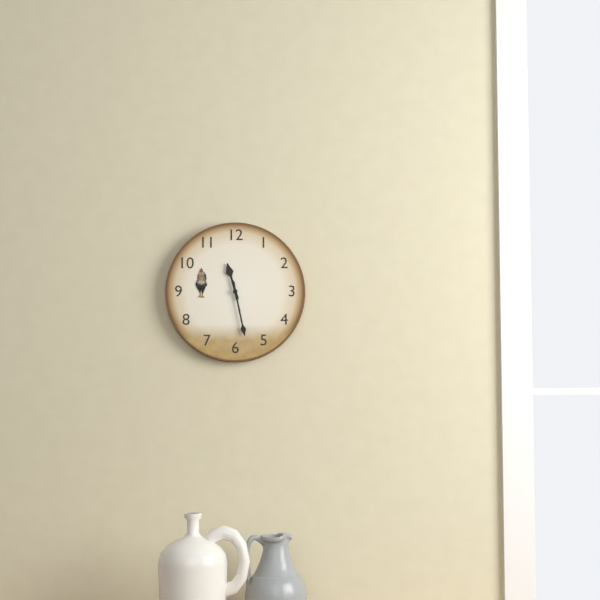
h=11 m=28
